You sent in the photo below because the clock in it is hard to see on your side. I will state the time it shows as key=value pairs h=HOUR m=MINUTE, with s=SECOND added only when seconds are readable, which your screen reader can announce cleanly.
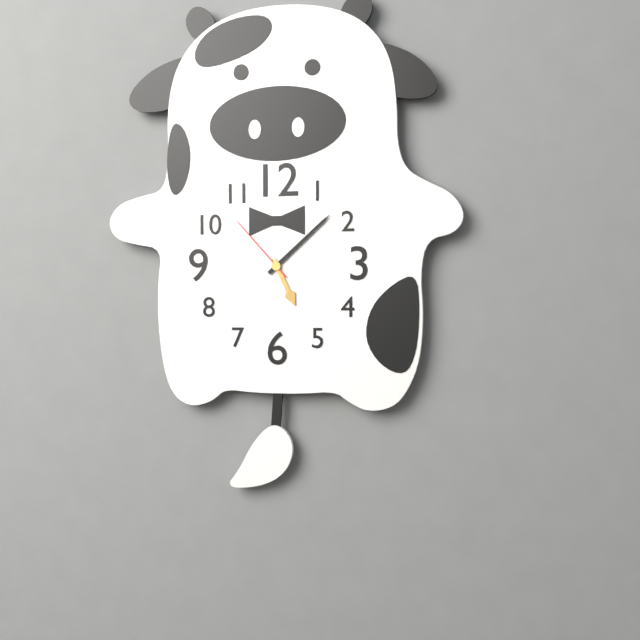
h=5 m=8 s=53
